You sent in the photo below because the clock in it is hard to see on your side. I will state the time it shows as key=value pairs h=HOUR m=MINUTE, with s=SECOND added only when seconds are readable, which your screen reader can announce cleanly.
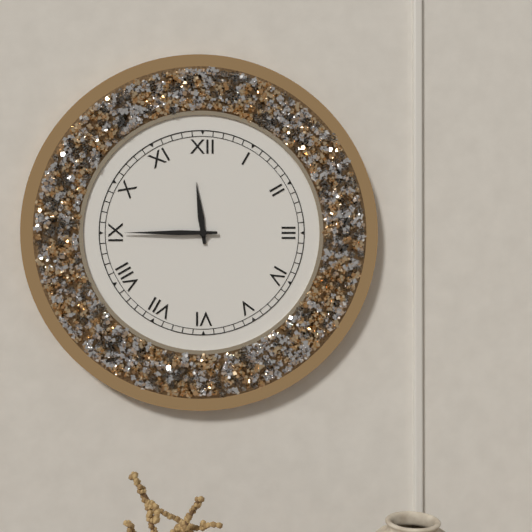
h=11 m=45
